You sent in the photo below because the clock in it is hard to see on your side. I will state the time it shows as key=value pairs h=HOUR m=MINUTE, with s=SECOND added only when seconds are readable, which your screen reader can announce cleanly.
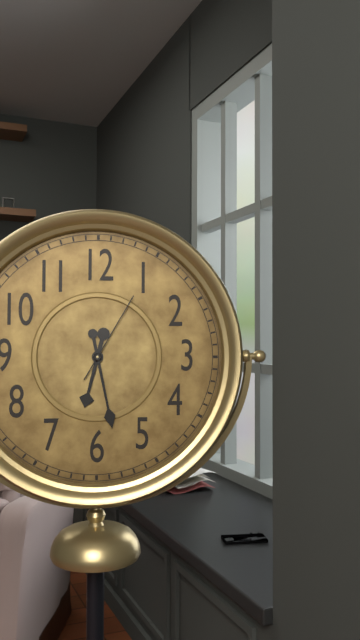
h=6 m=28 s=5
